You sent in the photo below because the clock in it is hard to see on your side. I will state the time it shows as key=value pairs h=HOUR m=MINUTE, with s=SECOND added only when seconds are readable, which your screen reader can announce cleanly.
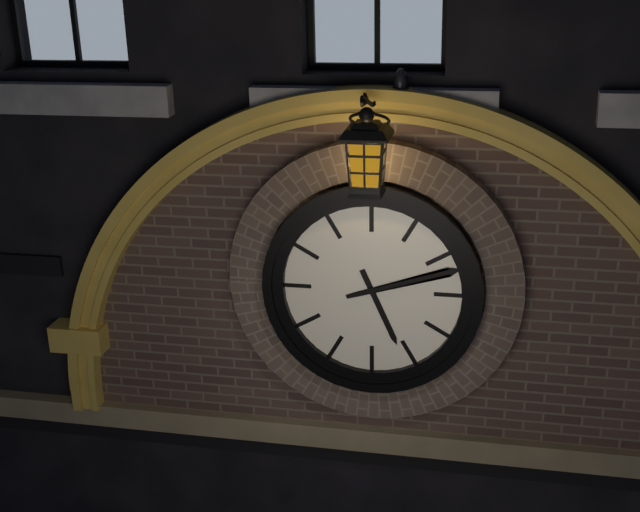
h=5 m=12
